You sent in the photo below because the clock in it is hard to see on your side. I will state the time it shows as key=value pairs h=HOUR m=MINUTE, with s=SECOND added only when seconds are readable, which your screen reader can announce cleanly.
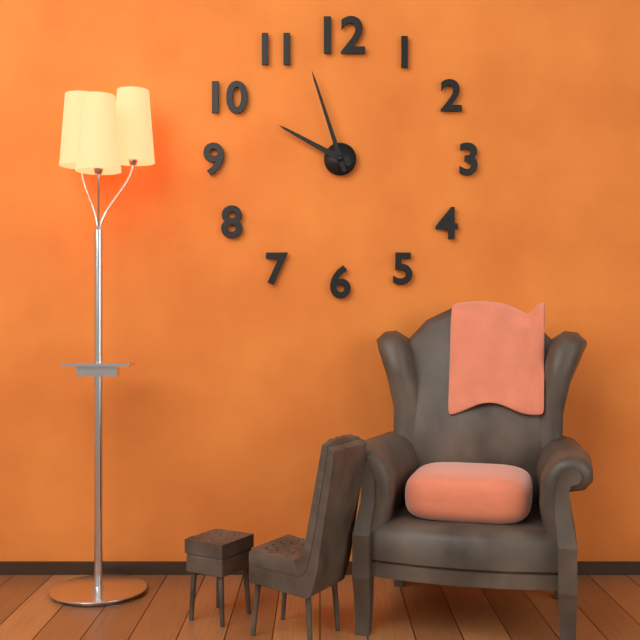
h=9 m=57
